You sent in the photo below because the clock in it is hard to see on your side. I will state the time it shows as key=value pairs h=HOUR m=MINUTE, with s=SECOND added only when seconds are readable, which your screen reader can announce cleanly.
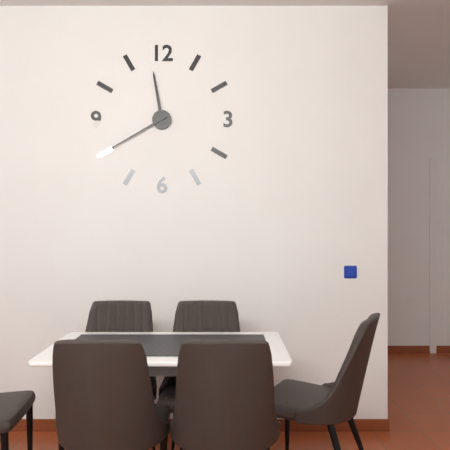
h=11 m=40
